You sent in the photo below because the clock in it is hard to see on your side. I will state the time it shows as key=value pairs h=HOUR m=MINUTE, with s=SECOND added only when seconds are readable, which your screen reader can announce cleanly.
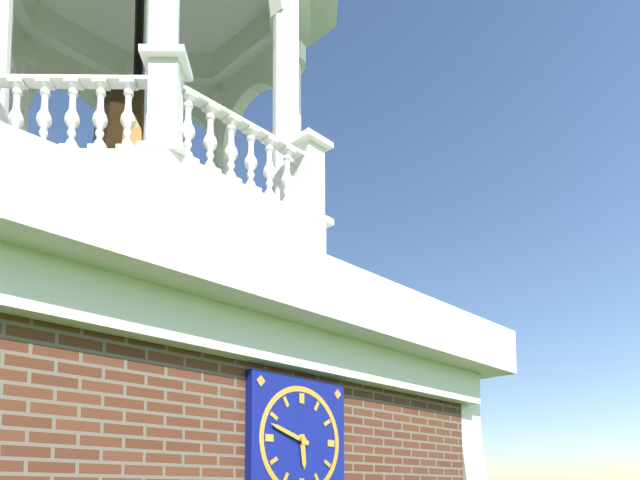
h=5 m=48
